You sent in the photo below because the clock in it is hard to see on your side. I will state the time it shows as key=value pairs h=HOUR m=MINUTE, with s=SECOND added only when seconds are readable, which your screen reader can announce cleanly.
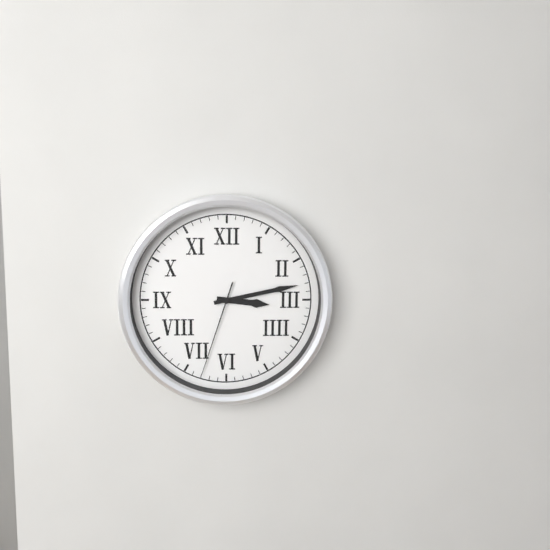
h=3 m=13 s=33
